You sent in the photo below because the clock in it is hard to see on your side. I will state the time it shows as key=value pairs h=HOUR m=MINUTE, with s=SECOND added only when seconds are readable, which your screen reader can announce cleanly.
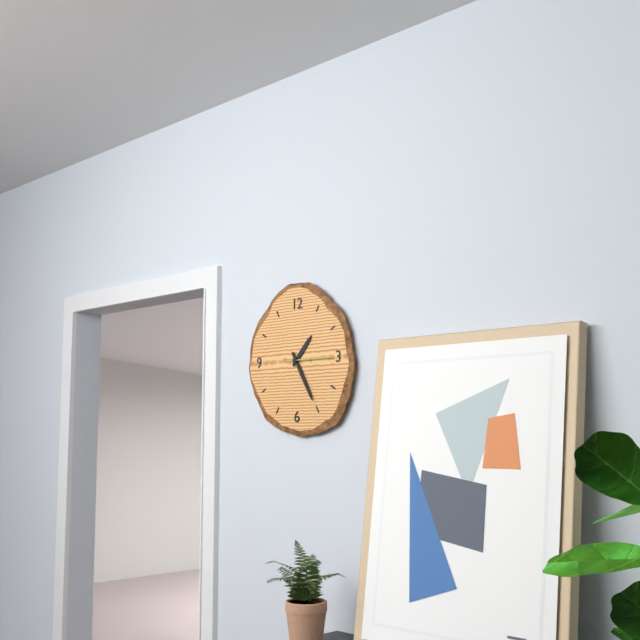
h=1 m=25
